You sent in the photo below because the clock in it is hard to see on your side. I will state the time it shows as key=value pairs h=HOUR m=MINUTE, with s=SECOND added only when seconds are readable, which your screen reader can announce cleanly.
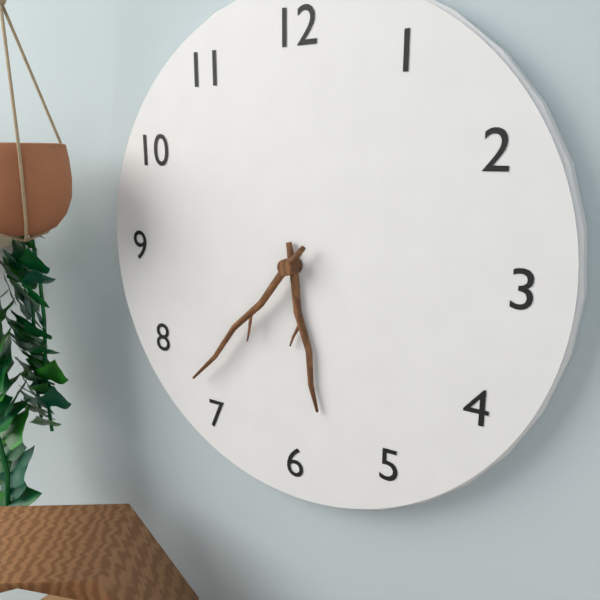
h=5 m=37
